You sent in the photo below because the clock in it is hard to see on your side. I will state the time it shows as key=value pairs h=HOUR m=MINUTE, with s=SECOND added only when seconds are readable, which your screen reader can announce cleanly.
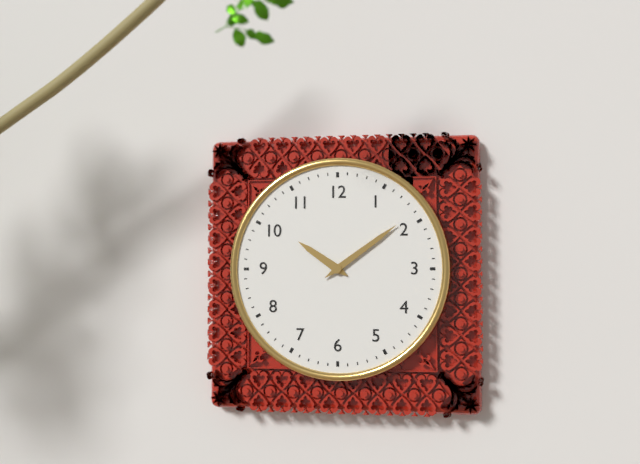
h=10 m=9
